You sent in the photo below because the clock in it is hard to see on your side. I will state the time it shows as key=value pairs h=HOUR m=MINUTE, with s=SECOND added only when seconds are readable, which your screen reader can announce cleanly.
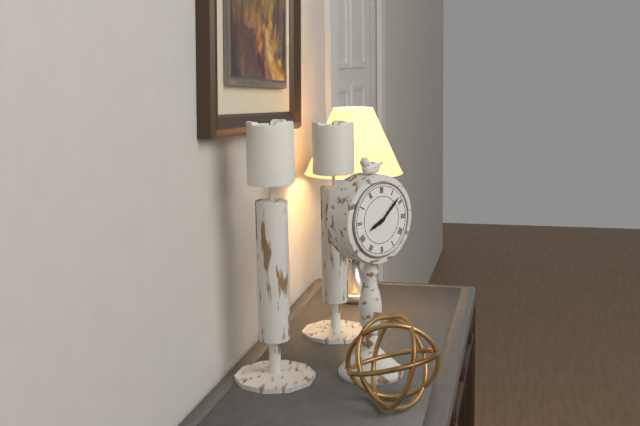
h=8 m=8
